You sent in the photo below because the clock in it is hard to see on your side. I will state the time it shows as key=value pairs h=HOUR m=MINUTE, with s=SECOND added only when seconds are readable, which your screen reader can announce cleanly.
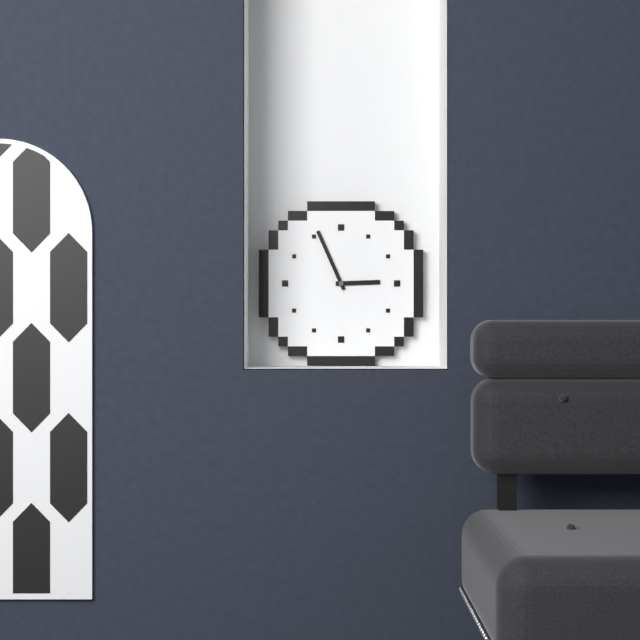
h=2 m=56
